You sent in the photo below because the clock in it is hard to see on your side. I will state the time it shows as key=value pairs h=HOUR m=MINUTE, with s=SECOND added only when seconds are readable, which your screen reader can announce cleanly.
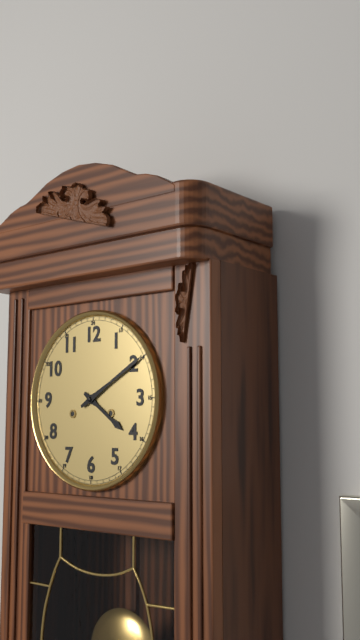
h=4 m=10
